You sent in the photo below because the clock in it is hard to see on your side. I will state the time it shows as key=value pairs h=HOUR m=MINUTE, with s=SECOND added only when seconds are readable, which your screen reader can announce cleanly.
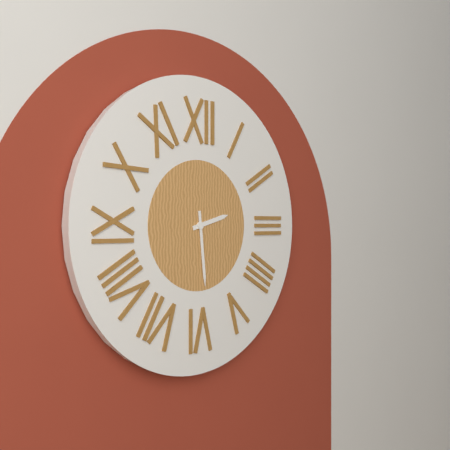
h=2 m=29
